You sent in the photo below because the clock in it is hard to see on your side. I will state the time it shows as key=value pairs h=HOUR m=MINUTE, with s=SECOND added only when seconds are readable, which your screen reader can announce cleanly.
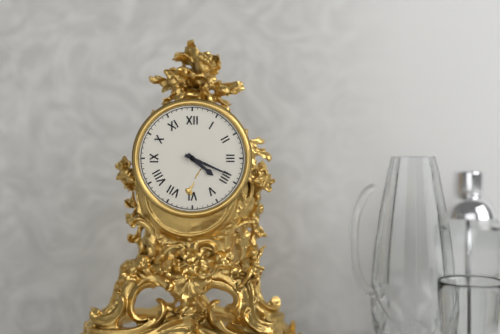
h=4 m=19
